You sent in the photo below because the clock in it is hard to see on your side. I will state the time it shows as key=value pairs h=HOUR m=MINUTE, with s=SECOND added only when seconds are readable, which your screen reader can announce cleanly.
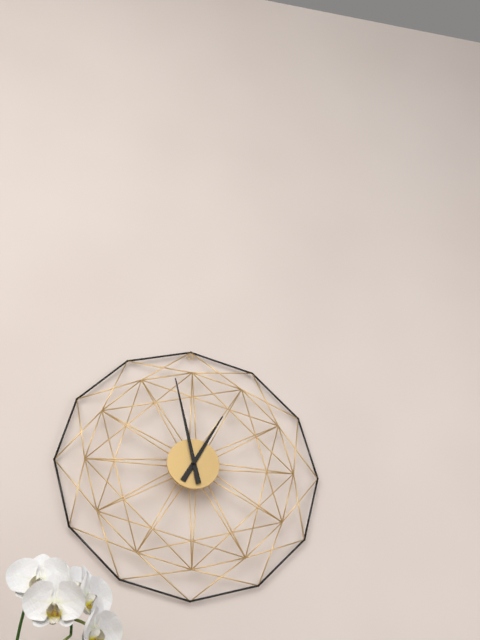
h=12 m=58
